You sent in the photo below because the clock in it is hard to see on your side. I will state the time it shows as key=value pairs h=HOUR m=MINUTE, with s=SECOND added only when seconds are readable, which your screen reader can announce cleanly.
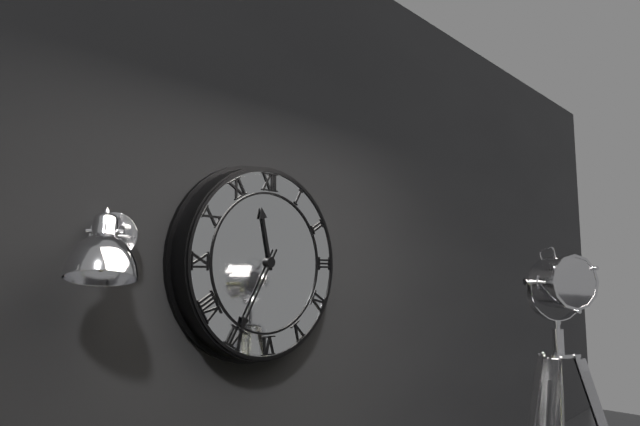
h=11 m=35
